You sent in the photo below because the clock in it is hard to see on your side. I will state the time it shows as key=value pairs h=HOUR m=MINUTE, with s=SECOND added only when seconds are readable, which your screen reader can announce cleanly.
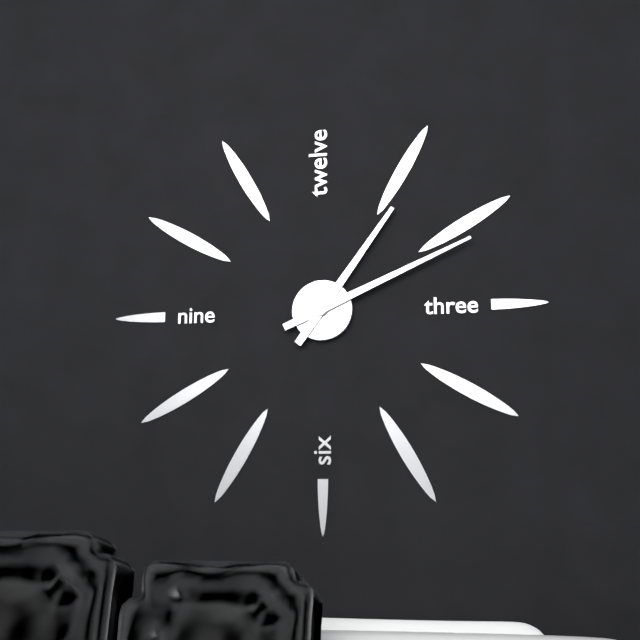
h=1 m=11
